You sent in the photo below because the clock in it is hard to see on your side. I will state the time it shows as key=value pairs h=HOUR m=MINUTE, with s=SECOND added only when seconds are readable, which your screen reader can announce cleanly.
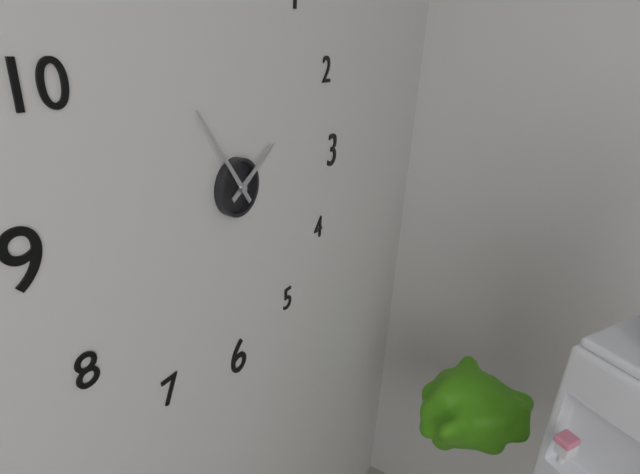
h=1 m=54
